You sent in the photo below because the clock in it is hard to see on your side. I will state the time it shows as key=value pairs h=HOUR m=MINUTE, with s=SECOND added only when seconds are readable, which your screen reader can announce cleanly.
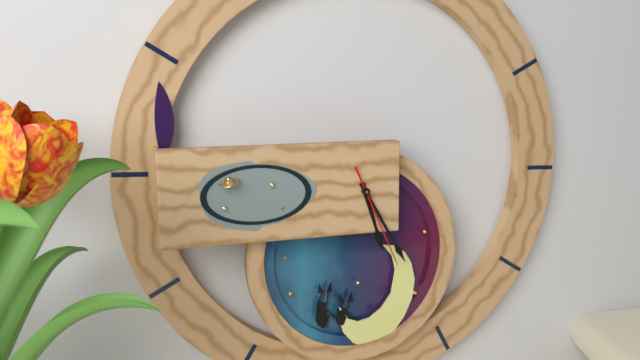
h=5 m=25 s=26
